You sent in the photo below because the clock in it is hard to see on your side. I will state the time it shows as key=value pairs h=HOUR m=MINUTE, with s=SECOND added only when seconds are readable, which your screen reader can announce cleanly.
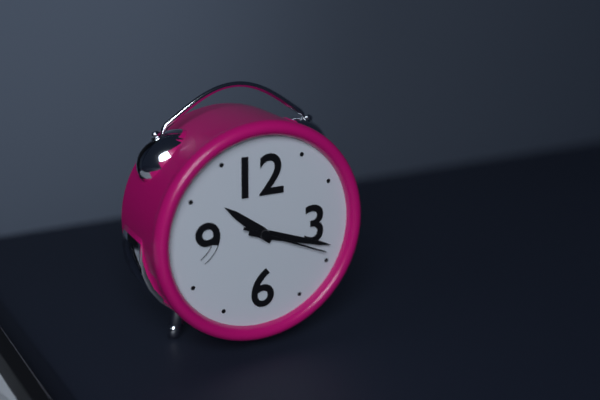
h=10 m=18 s=19
